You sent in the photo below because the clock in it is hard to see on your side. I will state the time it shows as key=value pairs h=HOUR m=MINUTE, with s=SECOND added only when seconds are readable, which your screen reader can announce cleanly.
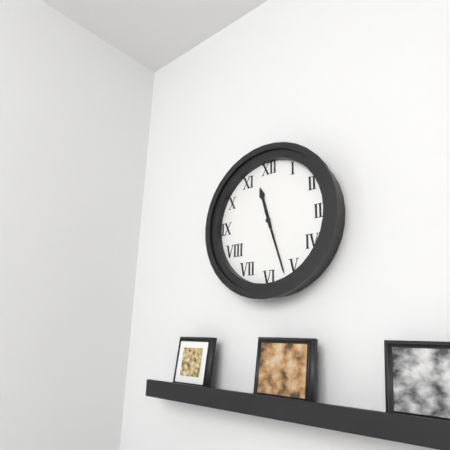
h=11 m=27
